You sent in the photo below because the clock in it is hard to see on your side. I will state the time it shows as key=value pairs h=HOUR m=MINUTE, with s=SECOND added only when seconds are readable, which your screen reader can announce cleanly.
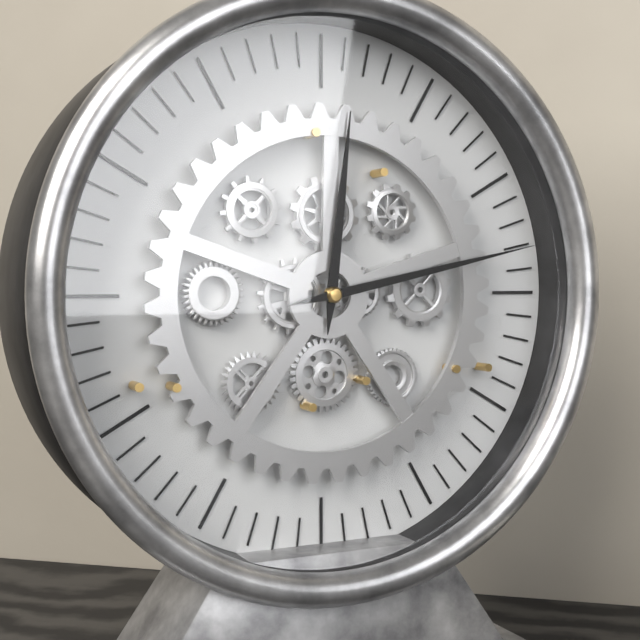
h=12 m=13
